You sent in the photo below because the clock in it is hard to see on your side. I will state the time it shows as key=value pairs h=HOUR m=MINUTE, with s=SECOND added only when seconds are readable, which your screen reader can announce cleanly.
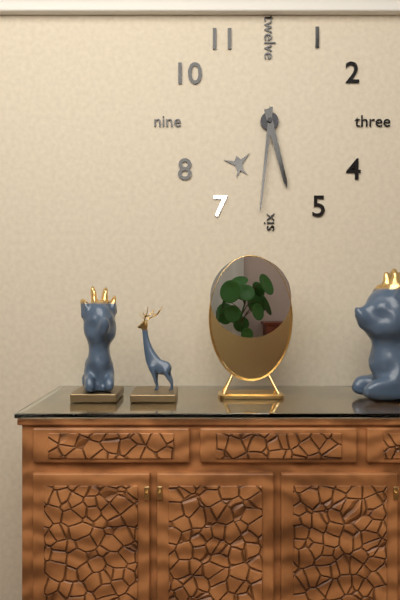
h=5 m=31
